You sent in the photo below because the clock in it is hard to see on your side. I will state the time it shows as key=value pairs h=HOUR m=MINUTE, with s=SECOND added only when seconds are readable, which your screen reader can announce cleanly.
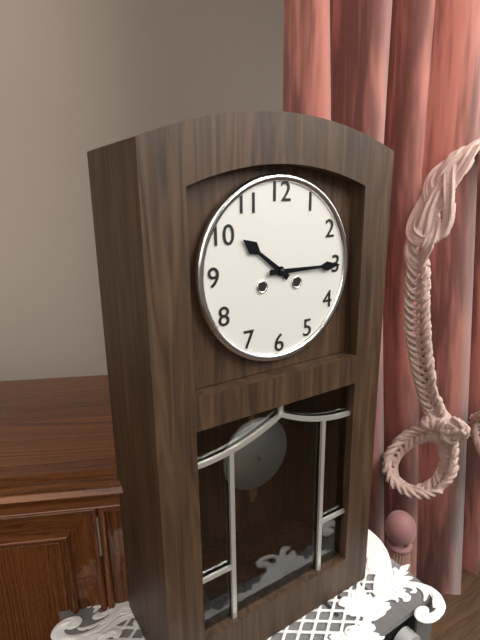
h=10 m=15
